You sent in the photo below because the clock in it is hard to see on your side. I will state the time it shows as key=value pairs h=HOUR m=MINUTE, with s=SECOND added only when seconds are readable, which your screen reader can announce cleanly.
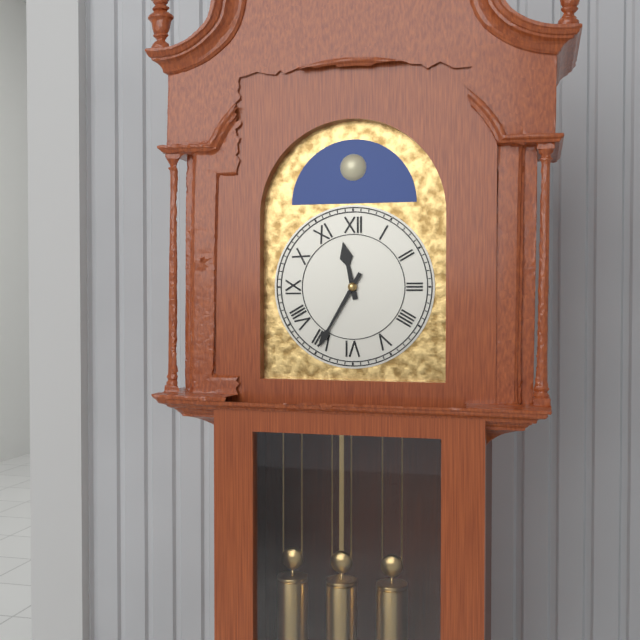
h=11 m=35
